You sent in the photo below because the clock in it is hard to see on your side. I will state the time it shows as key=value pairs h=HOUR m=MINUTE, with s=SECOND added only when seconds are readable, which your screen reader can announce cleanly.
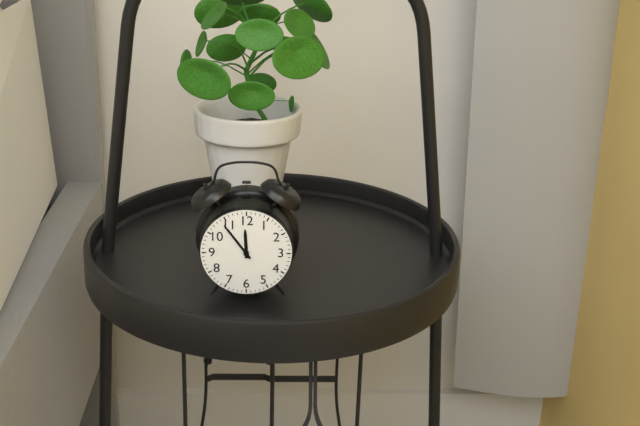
h=11 m=54
